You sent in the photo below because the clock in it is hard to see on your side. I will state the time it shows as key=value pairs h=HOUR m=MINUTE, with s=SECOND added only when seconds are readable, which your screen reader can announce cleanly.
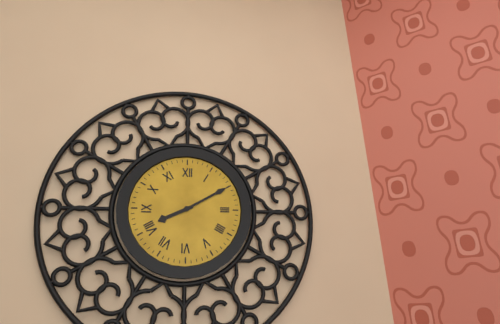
h=8 m=10
